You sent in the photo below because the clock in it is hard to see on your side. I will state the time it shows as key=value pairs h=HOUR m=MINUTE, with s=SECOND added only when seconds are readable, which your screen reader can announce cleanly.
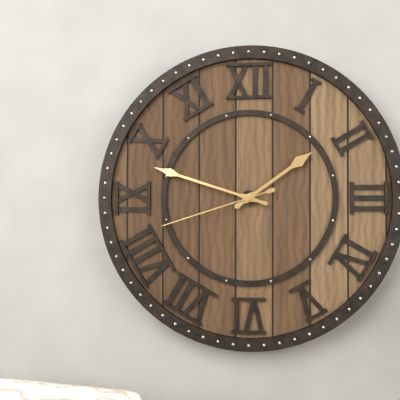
h=1 m=48 s=42
